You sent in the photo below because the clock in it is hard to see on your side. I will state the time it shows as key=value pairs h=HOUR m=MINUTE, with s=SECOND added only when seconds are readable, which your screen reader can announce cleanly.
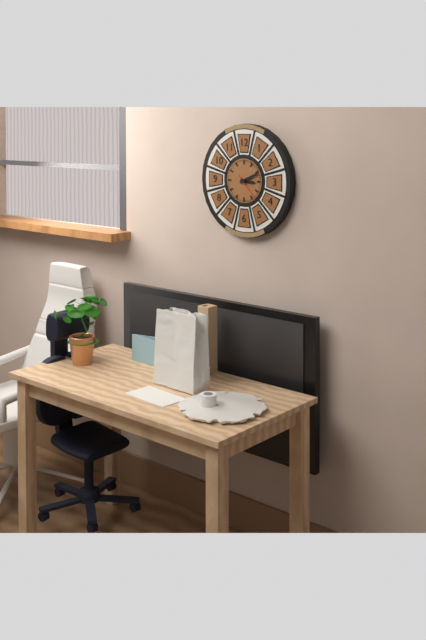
h=3 m=11
